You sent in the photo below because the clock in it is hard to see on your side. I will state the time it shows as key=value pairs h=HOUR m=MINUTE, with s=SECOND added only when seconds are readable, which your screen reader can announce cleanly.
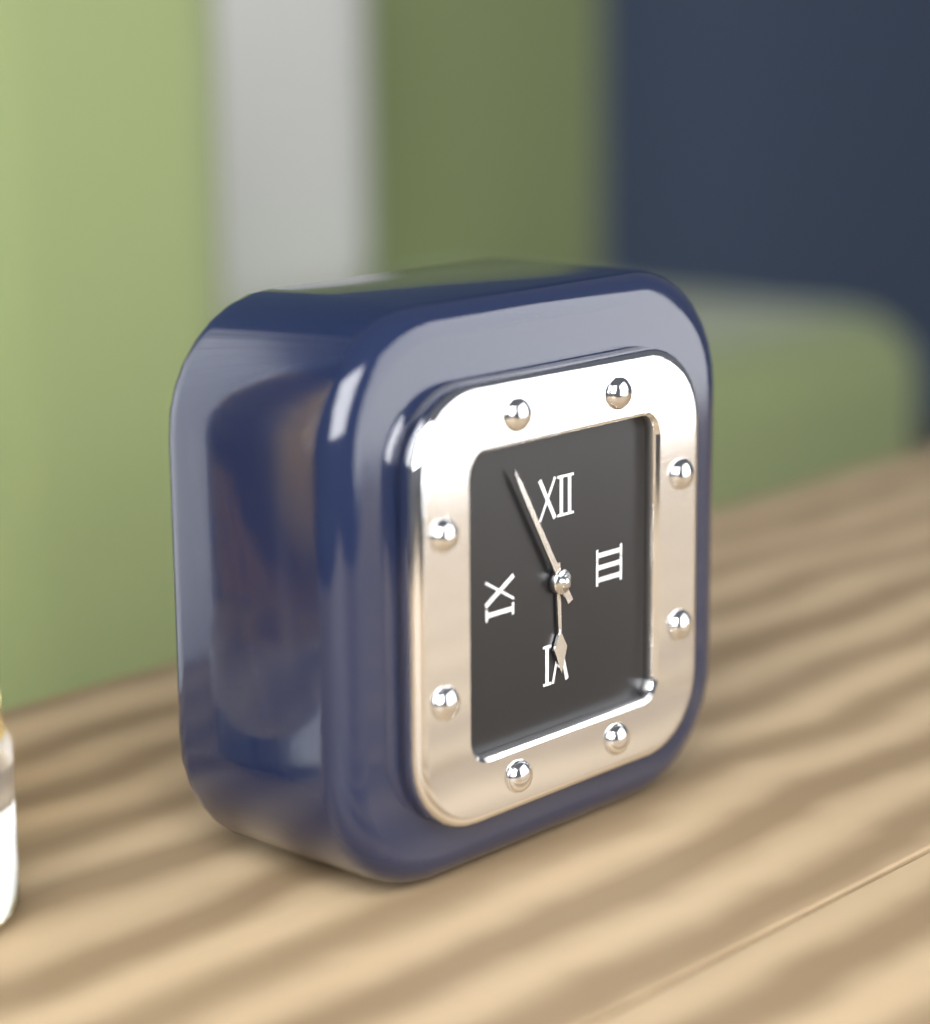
h=5 m=55
